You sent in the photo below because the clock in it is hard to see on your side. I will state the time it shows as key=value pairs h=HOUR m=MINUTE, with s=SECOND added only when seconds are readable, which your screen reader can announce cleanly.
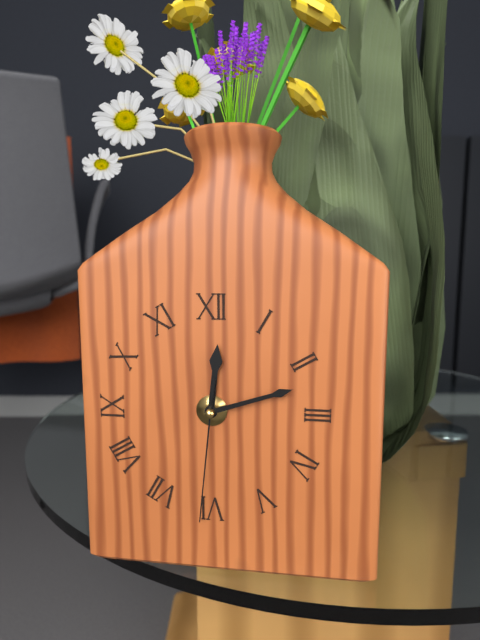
h=12 m=12 s=31
